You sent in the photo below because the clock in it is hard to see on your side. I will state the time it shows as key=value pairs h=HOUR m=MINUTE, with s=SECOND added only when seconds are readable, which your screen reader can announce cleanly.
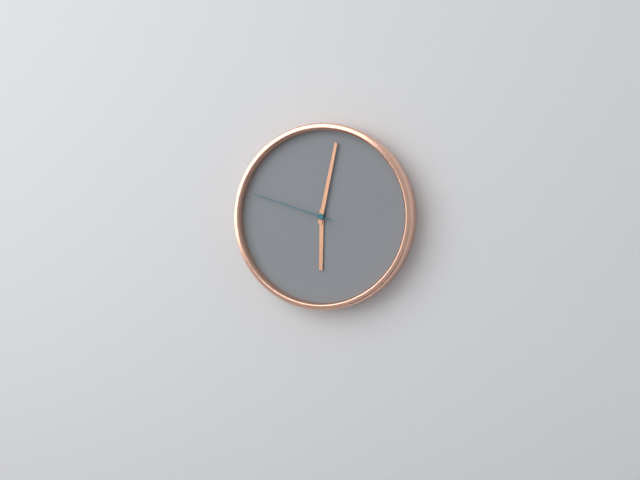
h=6 m=2 s=48
